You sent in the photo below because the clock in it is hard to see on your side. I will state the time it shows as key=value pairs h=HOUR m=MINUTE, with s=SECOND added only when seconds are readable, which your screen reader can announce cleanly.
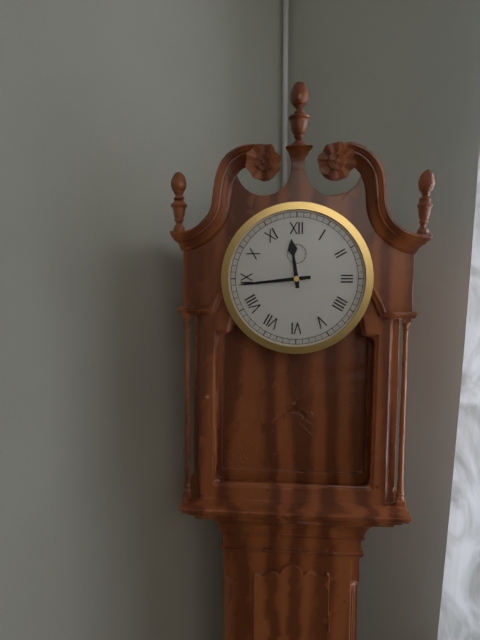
h=11 m=44
